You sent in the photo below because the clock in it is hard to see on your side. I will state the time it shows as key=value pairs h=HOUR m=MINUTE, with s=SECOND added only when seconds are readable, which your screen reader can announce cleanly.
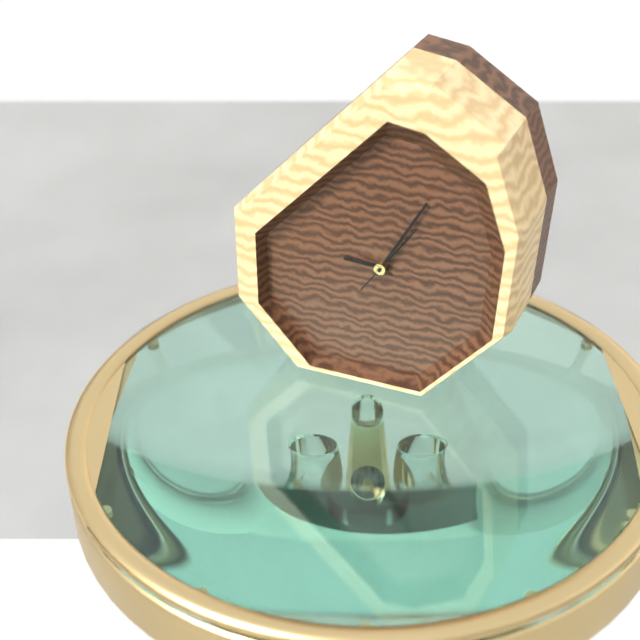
h=9 m=5 s=6
